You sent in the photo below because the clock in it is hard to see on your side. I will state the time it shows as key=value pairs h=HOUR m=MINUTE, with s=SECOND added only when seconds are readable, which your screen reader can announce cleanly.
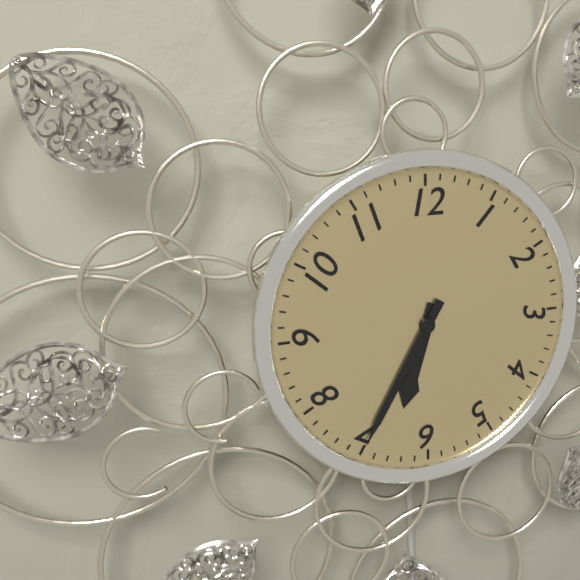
h=6 m=35
